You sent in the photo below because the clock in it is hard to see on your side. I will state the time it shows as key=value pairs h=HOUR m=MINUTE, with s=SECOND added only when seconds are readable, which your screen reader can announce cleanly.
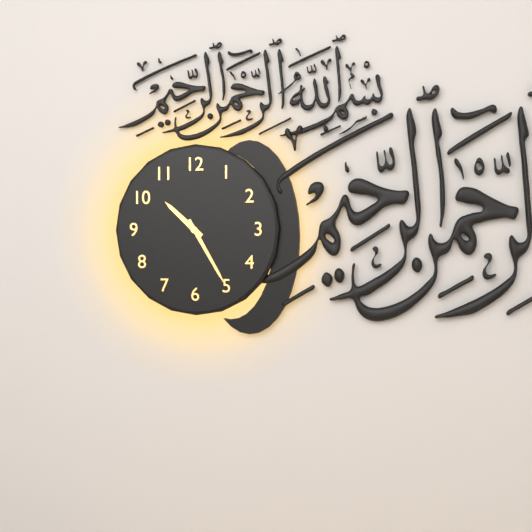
h=10 m=25
